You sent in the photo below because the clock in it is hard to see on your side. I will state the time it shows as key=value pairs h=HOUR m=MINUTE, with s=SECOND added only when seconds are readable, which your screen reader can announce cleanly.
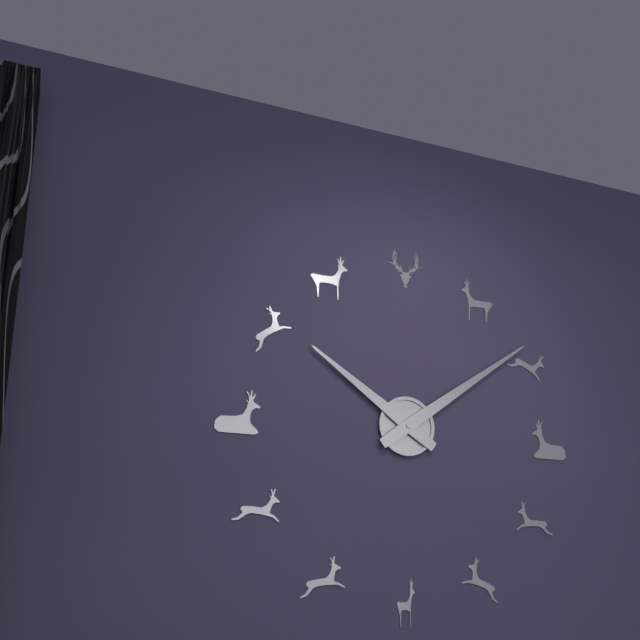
h=10 m=9
